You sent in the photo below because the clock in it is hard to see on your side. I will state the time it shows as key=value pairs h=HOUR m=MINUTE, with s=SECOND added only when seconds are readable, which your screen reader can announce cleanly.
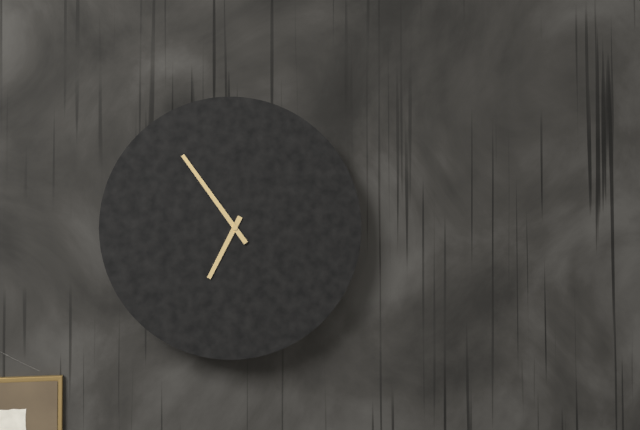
h=6 m=54
